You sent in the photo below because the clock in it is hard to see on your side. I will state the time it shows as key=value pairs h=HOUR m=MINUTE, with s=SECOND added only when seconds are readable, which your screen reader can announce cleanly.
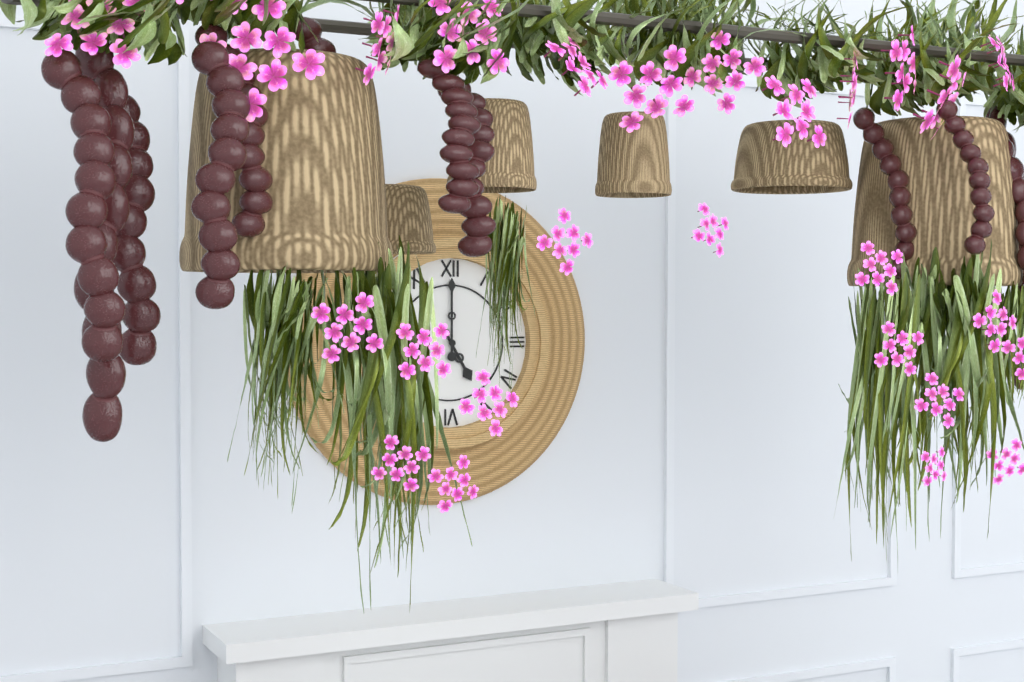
h=5 m=0
